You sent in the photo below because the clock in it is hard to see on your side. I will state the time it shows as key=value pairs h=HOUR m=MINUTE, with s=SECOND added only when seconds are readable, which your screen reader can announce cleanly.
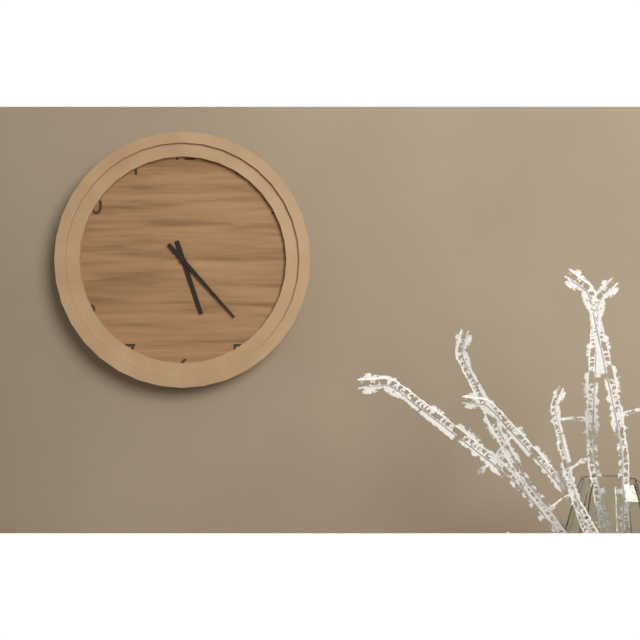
h=5 m=23
